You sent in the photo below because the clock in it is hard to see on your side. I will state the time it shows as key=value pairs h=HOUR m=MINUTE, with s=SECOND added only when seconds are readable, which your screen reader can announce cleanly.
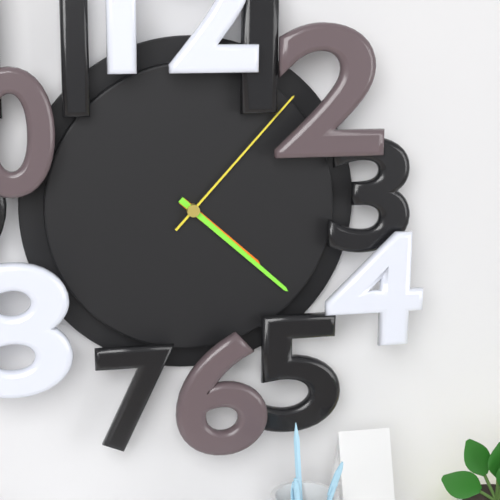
h=4 m=22 s=7
